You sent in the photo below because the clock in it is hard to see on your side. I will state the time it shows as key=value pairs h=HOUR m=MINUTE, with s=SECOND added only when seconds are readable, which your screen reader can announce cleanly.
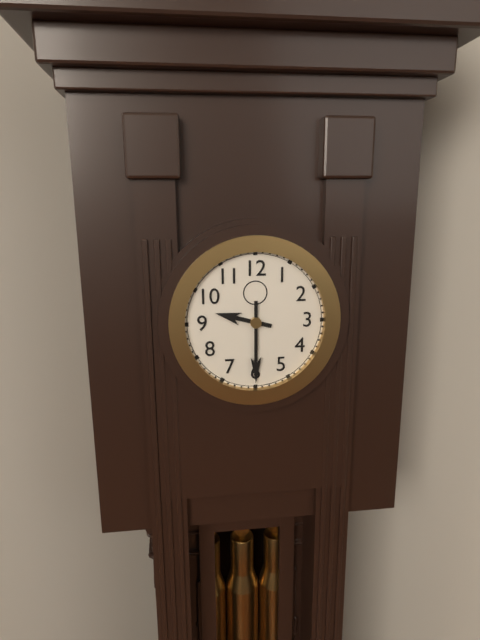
h=9 m=30
